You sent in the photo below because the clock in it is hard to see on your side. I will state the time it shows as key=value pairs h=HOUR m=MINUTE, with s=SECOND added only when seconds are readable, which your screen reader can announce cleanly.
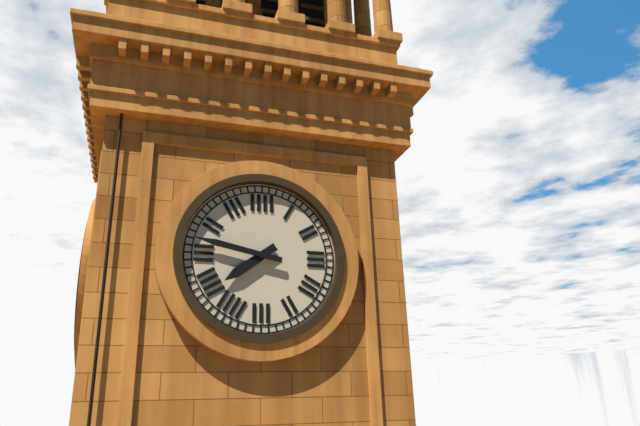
h=7 m=47
